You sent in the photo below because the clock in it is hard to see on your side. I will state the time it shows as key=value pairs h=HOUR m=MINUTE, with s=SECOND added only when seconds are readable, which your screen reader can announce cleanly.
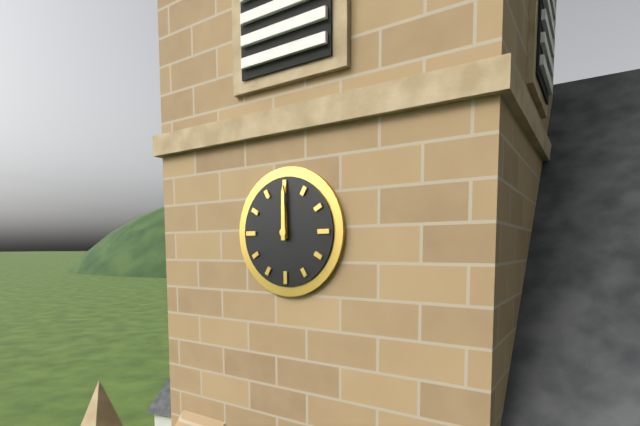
h=12 m=0
